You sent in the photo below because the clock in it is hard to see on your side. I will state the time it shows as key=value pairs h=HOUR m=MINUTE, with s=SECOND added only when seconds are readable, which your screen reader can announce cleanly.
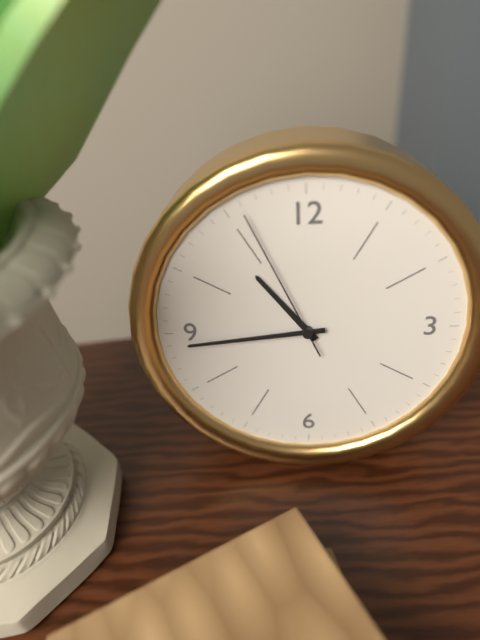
h=10 m=44 s=56
